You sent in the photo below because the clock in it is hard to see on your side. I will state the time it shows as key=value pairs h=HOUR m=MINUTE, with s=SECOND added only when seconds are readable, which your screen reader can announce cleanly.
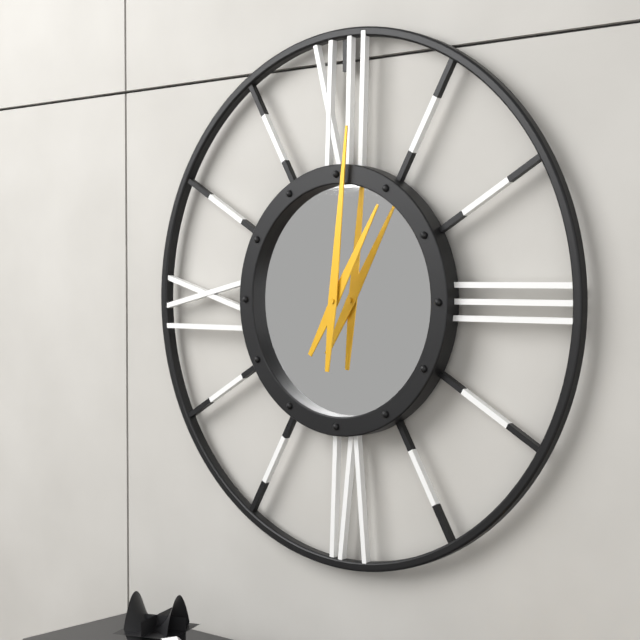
h=1 m=1
